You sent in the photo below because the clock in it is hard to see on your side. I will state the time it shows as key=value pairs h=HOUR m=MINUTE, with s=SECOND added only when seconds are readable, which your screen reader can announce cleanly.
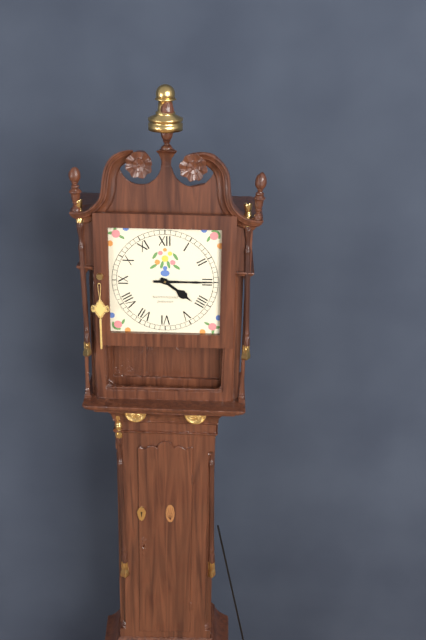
h=4 m=15
